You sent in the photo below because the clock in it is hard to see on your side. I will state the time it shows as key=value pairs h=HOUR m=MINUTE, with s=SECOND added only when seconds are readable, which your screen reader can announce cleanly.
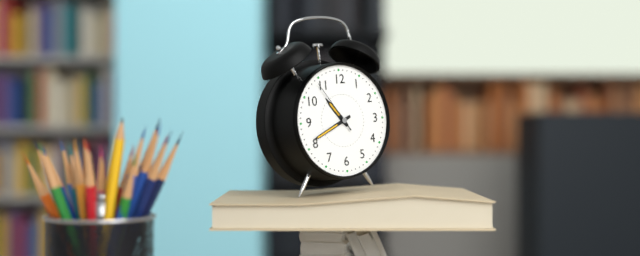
h=10 m=41 s=54
